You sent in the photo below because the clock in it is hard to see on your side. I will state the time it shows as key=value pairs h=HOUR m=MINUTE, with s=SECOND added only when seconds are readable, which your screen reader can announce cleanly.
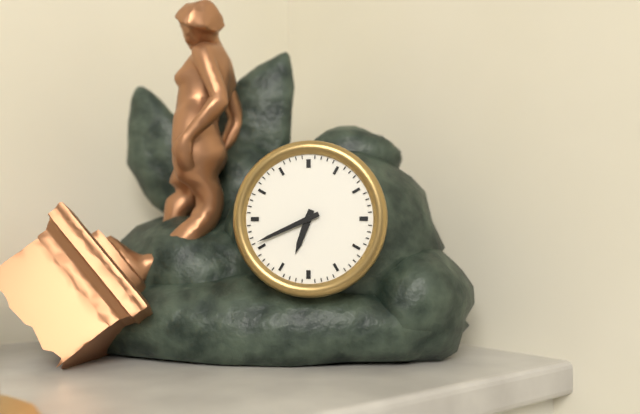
h=6 m=41
